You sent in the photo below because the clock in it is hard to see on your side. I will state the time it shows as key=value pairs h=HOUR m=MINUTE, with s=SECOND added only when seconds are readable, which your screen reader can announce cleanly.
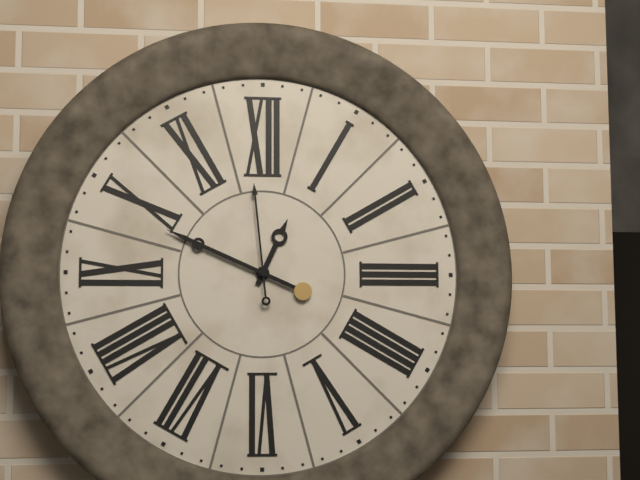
h=12 m=49 s=59
